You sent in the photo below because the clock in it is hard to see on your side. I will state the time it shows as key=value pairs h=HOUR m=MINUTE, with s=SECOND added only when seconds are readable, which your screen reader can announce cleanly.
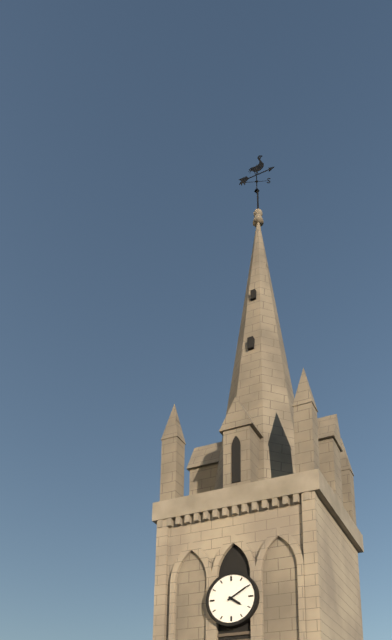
h=4 m=10
